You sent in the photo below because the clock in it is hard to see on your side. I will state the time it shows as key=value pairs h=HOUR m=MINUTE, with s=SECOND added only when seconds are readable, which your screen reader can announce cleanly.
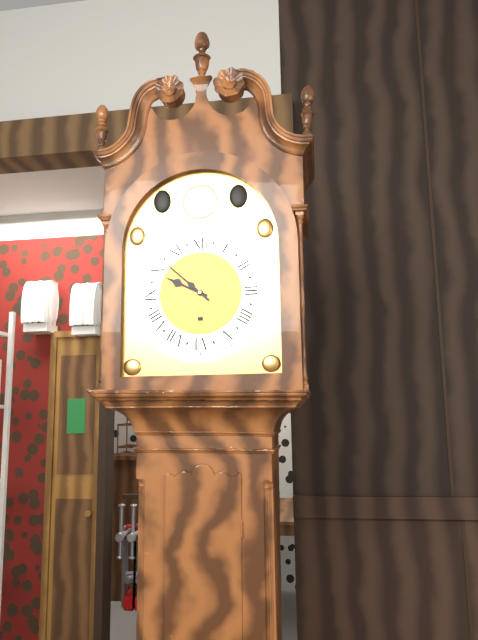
h=9 m=52
